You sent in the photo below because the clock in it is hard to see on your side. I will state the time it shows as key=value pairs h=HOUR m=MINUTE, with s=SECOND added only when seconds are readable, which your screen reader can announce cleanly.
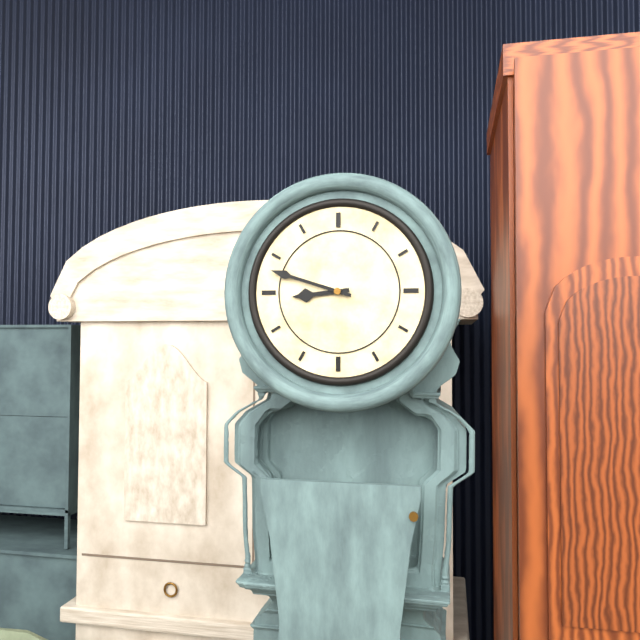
h=8 m=48
